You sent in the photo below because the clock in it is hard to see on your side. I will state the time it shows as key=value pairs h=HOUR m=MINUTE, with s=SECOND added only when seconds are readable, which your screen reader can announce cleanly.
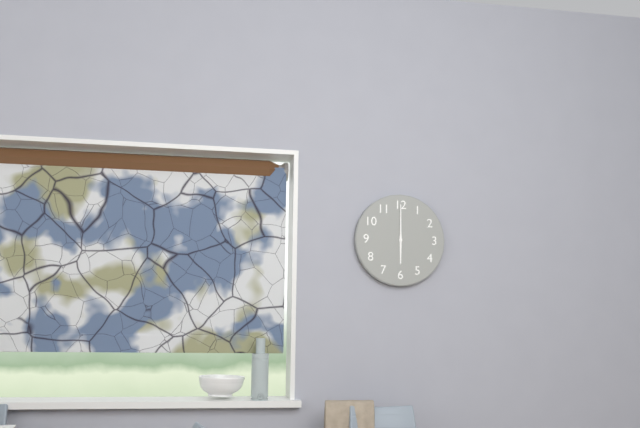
h=6 m=0
